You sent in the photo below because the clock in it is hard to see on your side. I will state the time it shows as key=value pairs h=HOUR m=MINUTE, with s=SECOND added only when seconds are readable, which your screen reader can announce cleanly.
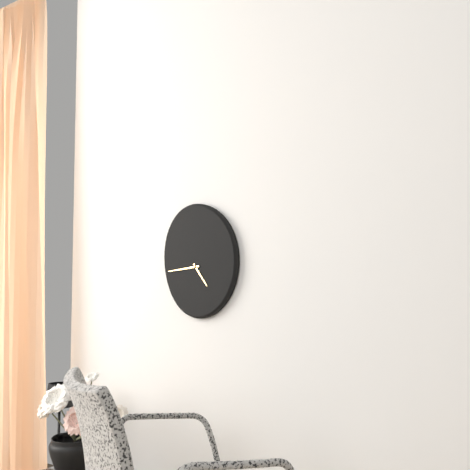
h=4 m=44
